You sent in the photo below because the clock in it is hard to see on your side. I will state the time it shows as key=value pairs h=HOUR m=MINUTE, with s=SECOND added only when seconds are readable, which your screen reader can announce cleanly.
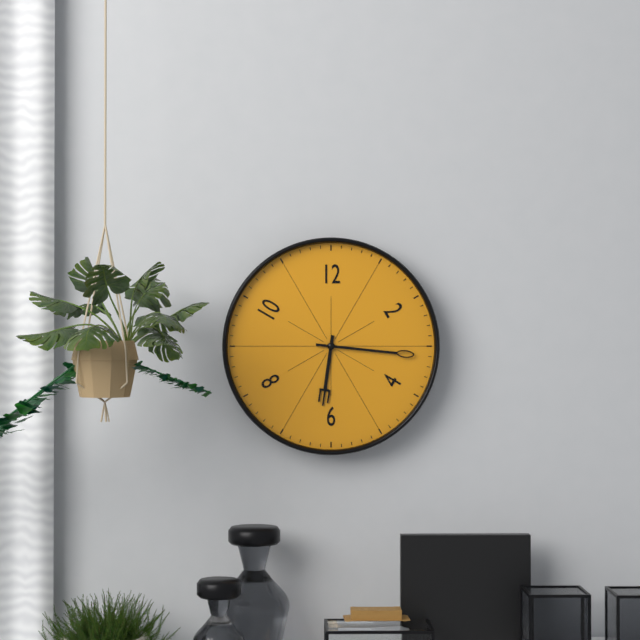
h=6 m=16
